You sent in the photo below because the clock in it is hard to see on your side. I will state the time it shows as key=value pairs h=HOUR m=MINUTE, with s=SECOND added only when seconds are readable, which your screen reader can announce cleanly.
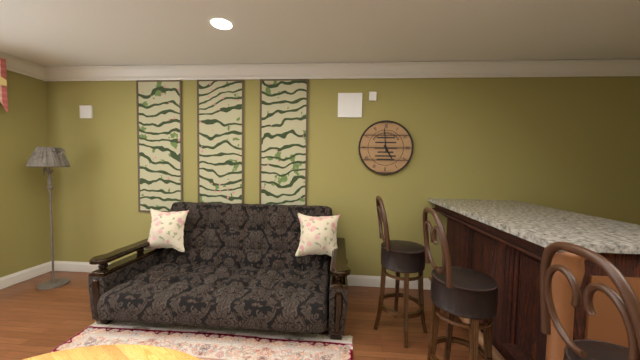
h=4 m=59
